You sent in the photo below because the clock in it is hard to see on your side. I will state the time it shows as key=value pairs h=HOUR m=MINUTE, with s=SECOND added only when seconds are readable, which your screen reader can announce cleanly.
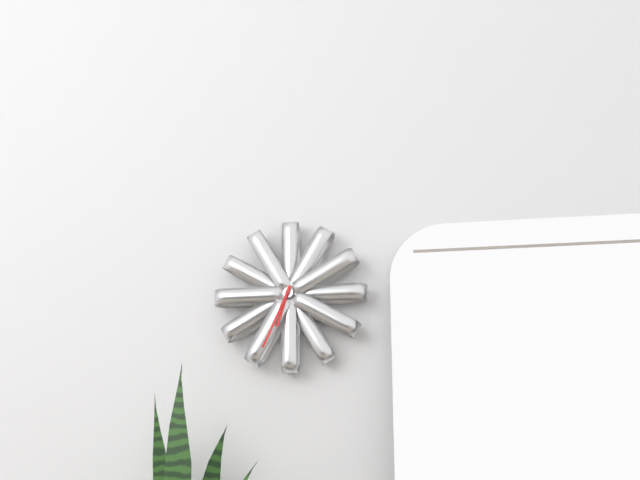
h=6 m=34
